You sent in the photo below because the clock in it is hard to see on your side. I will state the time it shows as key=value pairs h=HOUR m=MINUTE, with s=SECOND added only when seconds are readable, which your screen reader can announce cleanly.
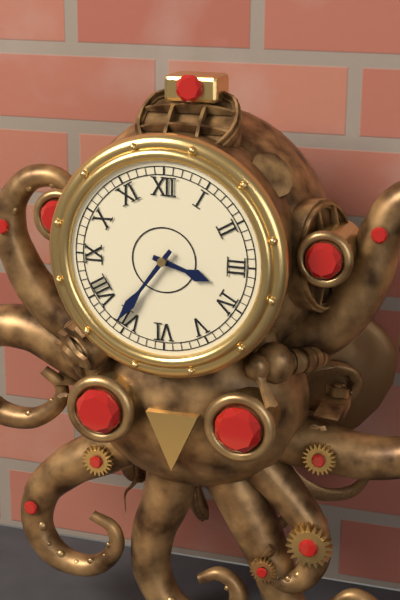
h=3 m=36
